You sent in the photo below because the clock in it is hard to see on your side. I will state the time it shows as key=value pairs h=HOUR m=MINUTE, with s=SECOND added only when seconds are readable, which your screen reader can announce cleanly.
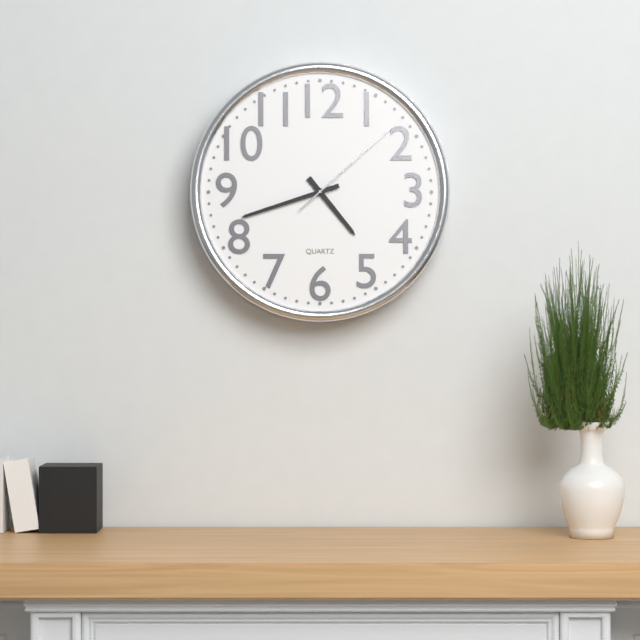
h=4 m=42 s=8
